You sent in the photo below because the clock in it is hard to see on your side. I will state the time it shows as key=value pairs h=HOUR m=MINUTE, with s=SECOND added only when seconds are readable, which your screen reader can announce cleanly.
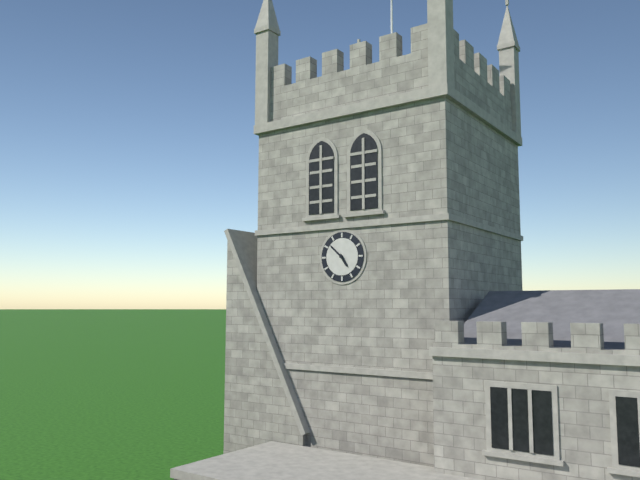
h=4 m=52
